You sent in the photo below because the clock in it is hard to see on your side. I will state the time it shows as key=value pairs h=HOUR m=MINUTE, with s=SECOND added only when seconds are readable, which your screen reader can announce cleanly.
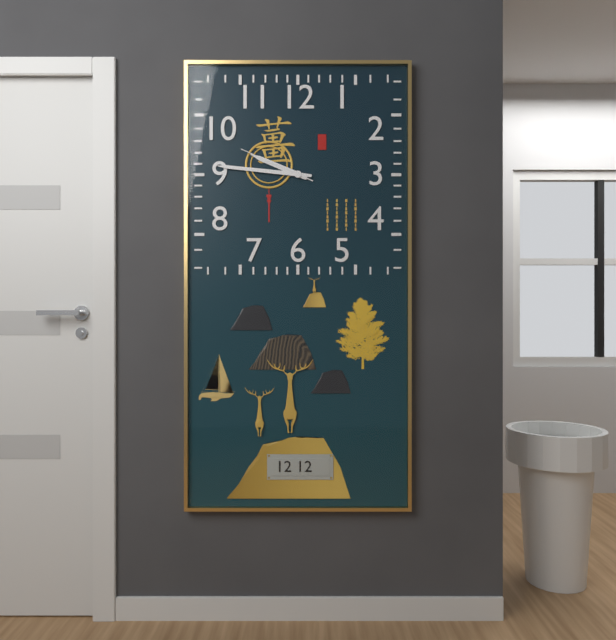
h=9 m=46 s=49
